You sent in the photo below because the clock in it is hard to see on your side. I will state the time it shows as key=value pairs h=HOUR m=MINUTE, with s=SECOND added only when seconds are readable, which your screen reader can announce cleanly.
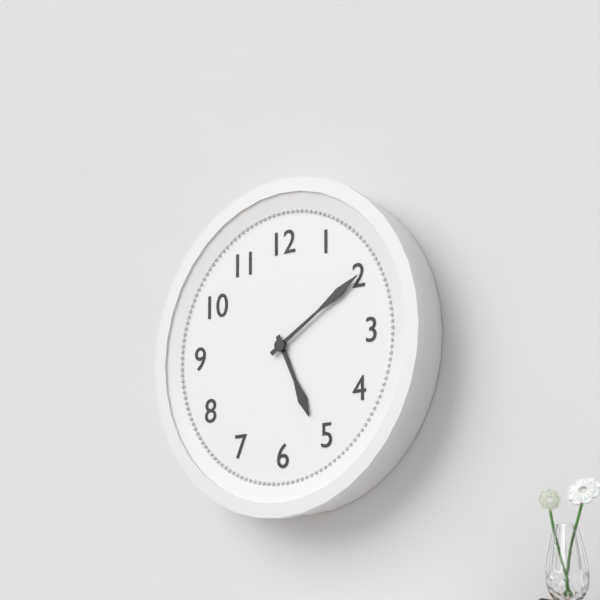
h=5 m=10
